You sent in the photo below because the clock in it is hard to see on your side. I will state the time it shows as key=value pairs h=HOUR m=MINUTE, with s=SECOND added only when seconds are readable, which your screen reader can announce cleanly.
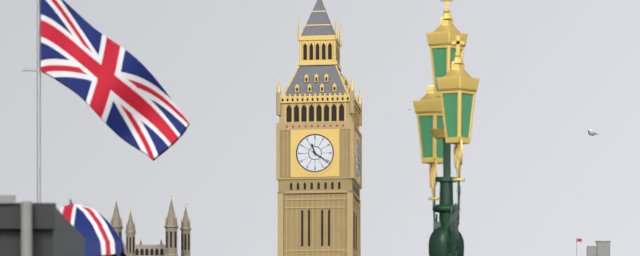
h=11 m=21
